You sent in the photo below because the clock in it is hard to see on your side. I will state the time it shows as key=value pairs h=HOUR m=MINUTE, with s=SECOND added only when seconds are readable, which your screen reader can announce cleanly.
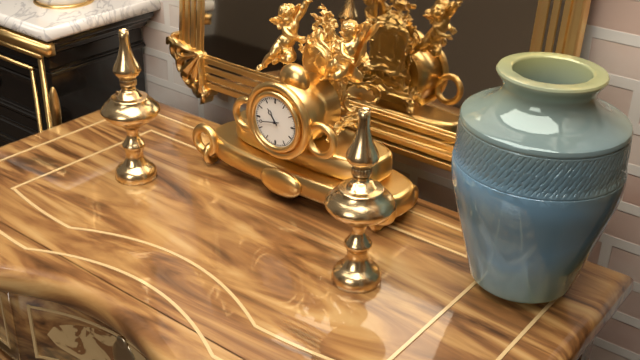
h=10 m=43
